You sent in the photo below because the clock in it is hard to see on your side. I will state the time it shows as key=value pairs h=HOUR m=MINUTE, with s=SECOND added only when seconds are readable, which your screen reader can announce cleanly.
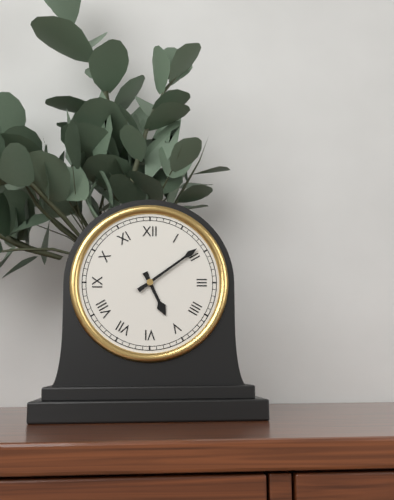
h=5 m=9
